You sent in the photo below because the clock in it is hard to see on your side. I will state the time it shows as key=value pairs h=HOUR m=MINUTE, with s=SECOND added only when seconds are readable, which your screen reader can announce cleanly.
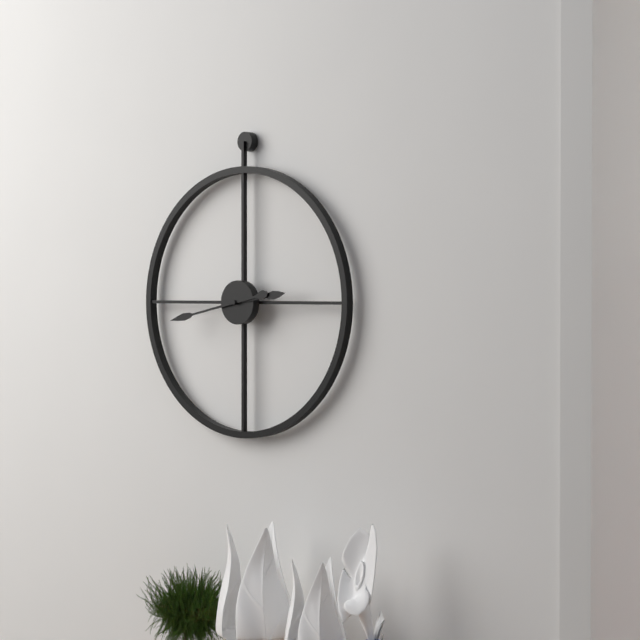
h=2 m=43
